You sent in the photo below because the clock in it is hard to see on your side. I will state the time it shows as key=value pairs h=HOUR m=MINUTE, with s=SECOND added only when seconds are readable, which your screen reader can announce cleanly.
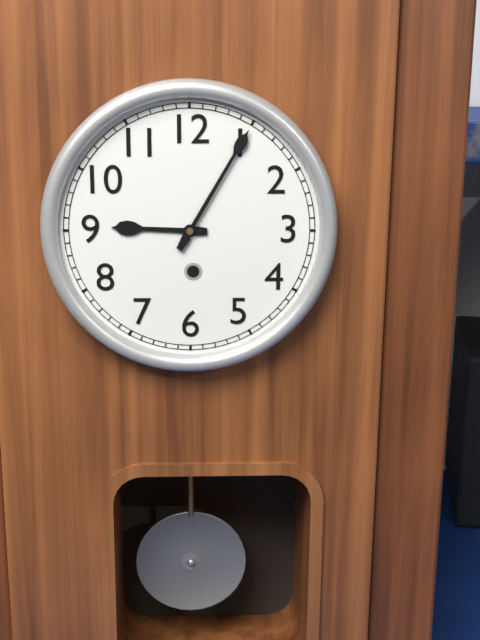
h=9 m=5
